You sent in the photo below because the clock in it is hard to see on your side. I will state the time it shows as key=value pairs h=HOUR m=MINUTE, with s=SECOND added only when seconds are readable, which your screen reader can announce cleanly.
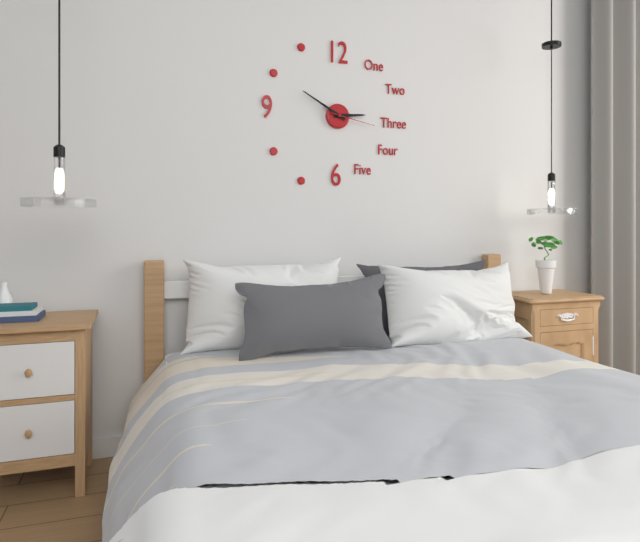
h=2 m=50
